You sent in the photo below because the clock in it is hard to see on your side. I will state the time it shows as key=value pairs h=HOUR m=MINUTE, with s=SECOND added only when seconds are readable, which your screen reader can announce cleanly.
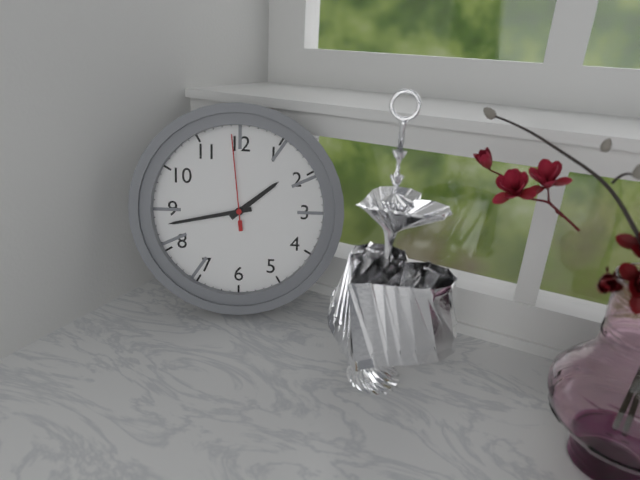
h=1 m=43 s=59
